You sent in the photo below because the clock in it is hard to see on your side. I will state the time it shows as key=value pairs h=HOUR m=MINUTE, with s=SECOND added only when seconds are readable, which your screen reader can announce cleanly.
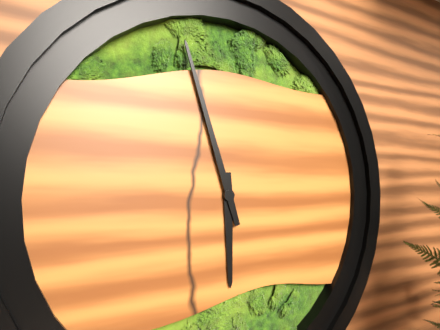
h=5 m=57
